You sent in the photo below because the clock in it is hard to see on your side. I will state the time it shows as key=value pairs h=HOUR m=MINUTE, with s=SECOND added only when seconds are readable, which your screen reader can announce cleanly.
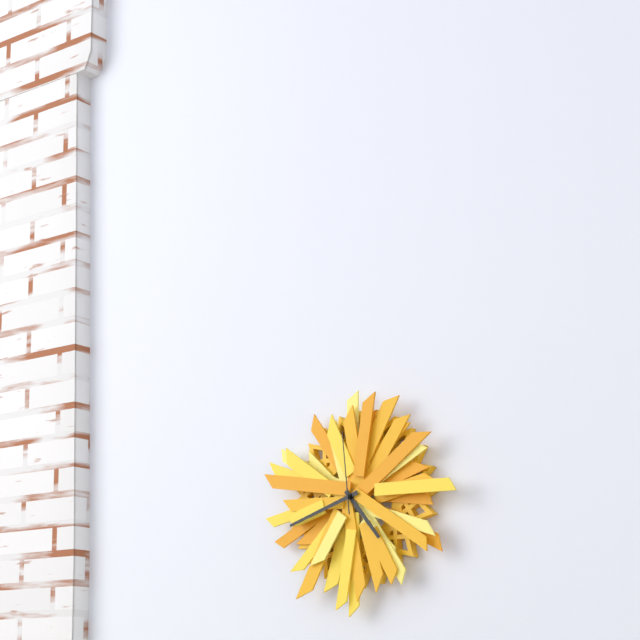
h=4 m=42 s=59
